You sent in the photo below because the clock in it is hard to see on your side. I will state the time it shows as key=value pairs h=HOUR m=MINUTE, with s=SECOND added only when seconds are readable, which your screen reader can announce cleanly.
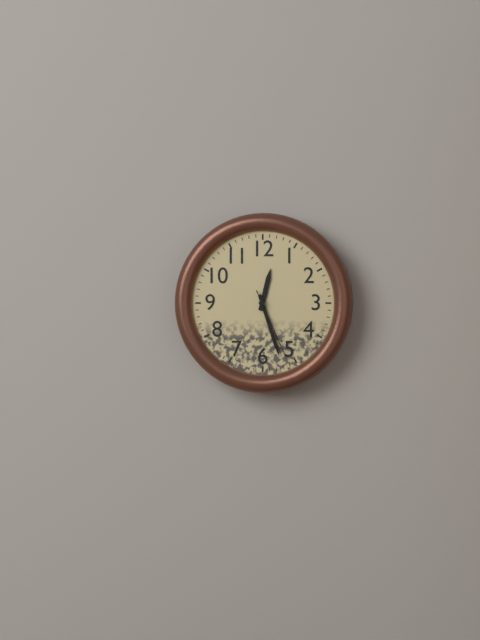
h=12 m=27 s=26
